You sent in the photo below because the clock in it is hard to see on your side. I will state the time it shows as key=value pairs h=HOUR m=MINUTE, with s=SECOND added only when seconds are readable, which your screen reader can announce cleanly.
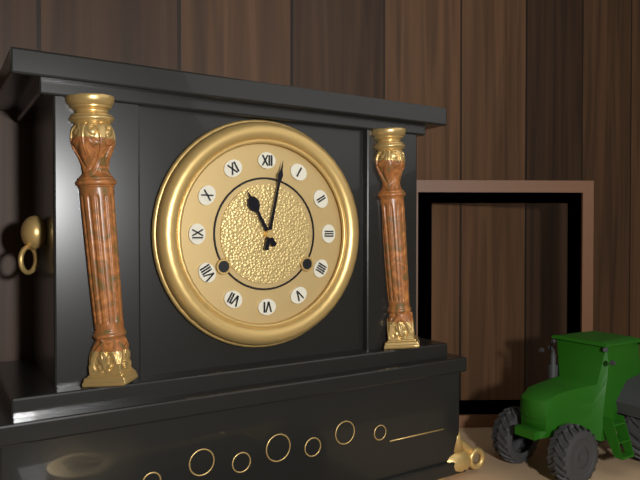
h=11 m=2
